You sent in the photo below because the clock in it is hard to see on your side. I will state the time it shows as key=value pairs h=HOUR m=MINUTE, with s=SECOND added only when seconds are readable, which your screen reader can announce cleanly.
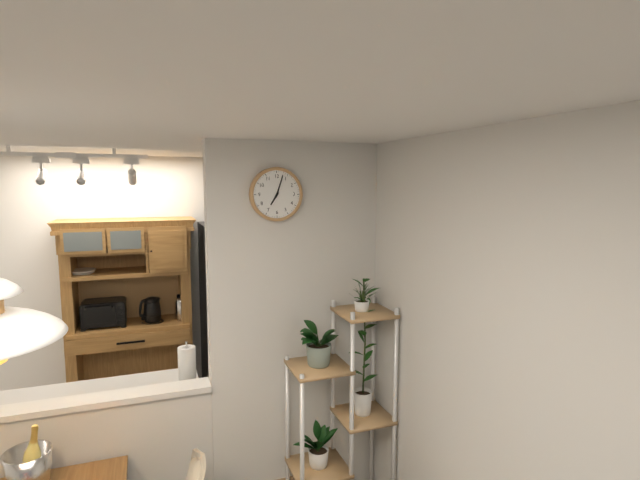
h=7 m=3
